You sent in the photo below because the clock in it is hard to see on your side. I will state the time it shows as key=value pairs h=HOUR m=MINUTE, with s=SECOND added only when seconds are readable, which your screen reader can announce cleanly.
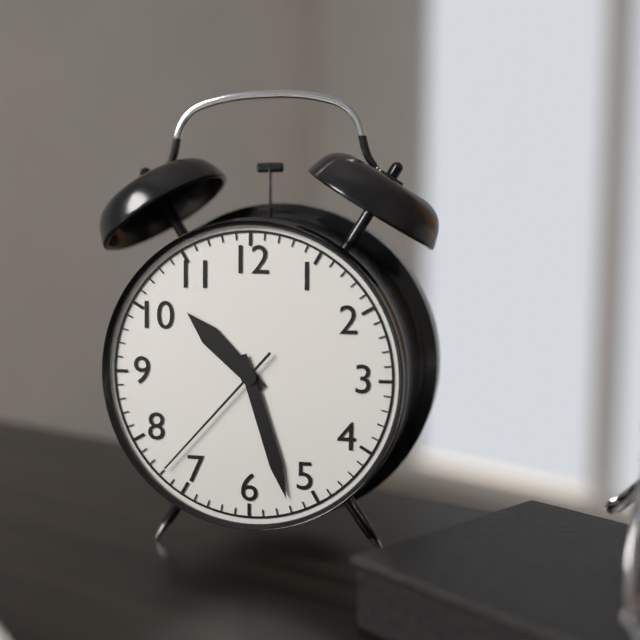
h=10 m=27 s=37
